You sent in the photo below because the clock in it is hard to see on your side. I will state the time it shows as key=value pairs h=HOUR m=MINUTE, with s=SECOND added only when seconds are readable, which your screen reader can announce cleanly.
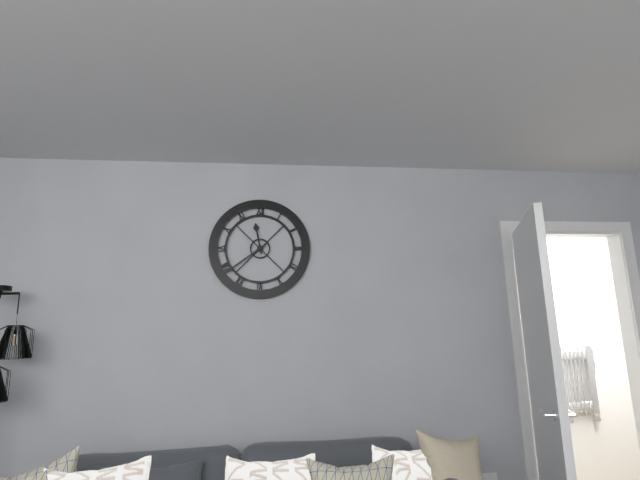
h=11 m=39
